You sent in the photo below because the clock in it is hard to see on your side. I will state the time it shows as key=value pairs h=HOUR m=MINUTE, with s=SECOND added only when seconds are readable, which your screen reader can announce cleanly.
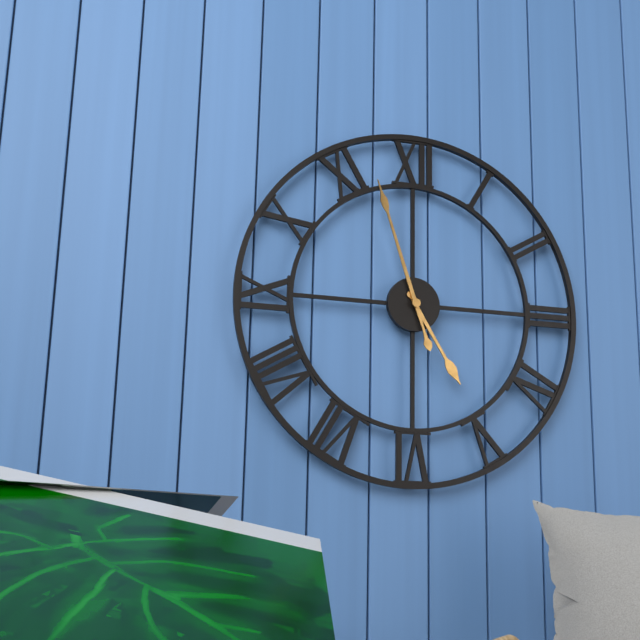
h=4 m=57
